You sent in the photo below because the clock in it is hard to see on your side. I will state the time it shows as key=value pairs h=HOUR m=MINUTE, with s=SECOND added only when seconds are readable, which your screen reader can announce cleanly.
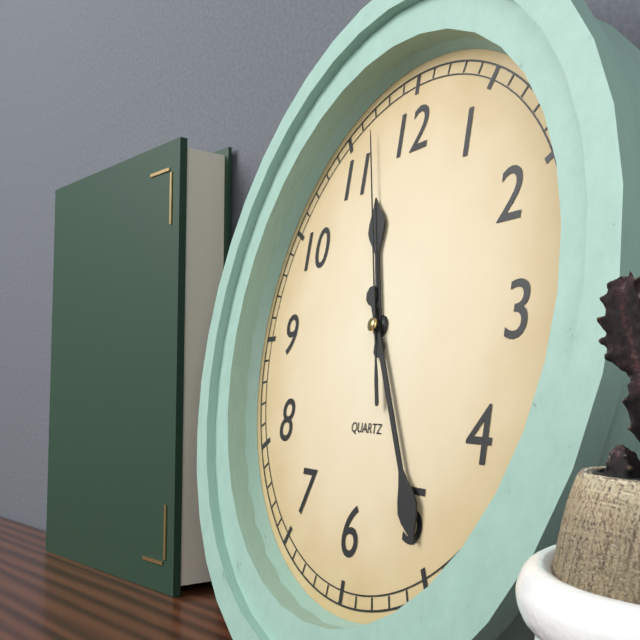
h=11 m=25 s=57
